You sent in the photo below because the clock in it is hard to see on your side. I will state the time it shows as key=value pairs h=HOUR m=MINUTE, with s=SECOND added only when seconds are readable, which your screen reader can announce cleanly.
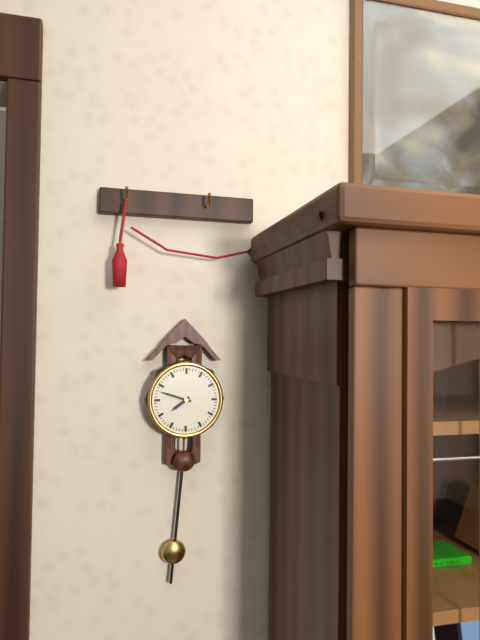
h=7 m=48
